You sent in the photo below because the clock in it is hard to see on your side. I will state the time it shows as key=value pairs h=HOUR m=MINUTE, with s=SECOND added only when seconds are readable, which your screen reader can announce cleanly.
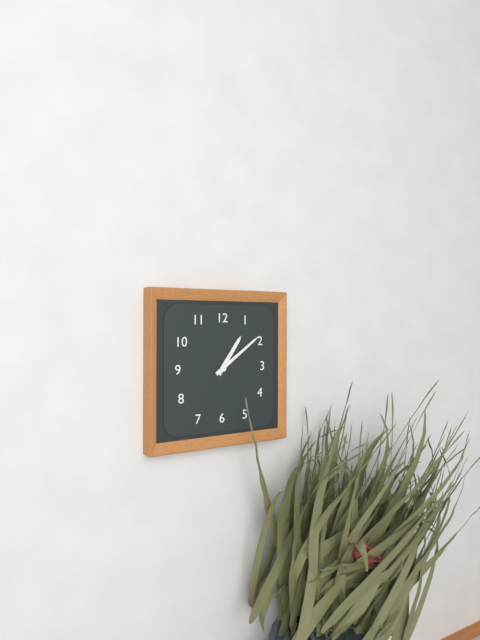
h=1 m=9
